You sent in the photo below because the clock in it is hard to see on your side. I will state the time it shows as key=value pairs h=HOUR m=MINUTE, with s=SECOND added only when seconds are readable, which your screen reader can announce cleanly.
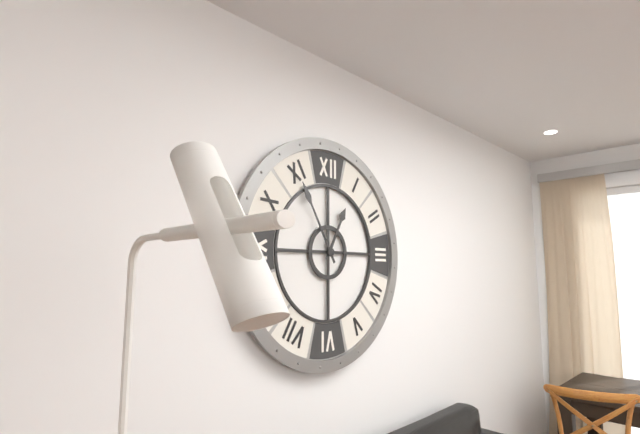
h=12 m=55
